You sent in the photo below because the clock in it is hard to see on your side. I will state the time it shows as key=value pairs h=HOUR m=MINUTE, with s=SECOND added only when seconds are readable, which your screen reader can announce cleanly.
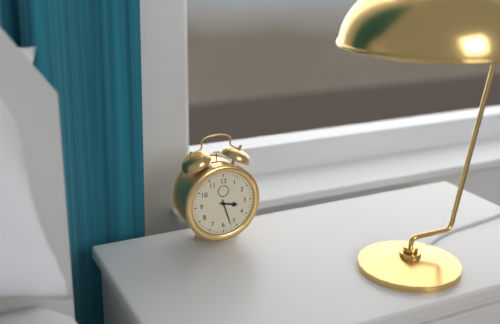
h=3 m=27
